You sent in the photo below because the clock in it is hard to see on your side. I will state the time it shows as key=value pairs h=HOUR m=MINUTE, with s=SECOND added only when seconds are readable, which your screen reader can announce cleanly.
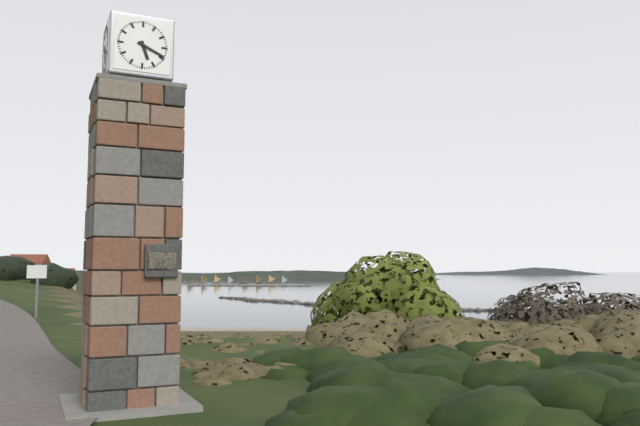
h=5 m=19
